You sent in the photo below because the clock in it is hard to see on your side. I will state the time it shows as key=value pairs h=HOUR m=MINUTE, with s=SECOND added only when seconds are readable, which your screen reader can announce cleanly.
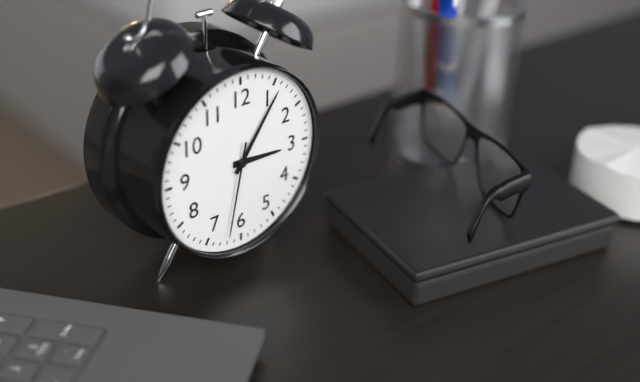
h=3 m=6 s=32
